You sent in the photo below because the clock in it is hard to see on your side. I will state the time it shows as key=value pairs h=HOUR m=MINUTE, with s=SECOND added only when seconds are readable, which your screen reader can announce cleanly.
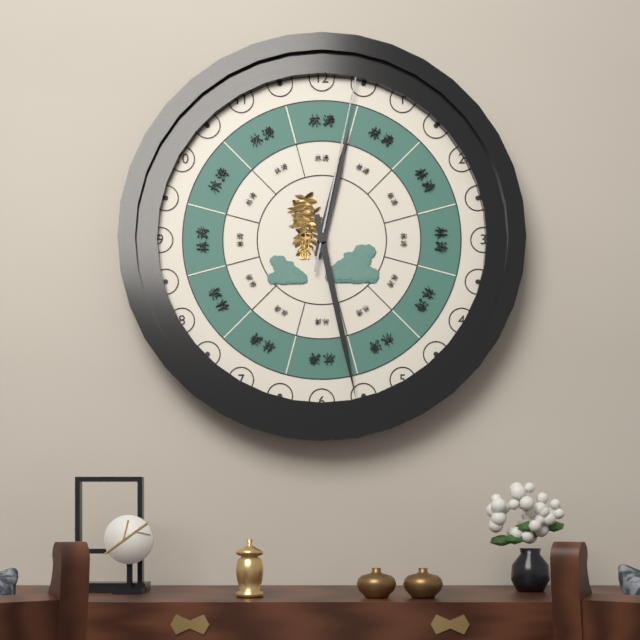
h=12 m=28 s=2
